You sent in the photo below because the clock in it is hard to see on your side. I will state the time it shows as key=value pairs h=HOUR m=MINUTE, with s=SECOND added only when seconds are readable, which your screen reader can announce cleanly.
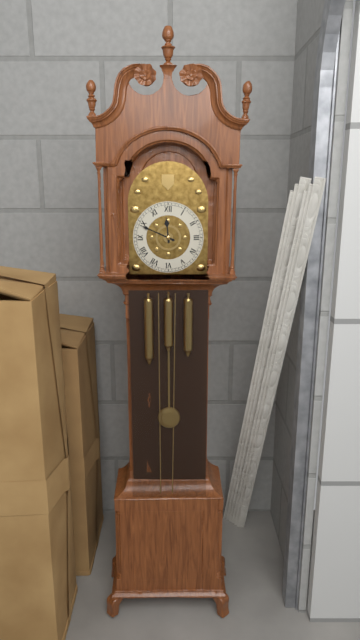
h=11 m=49
